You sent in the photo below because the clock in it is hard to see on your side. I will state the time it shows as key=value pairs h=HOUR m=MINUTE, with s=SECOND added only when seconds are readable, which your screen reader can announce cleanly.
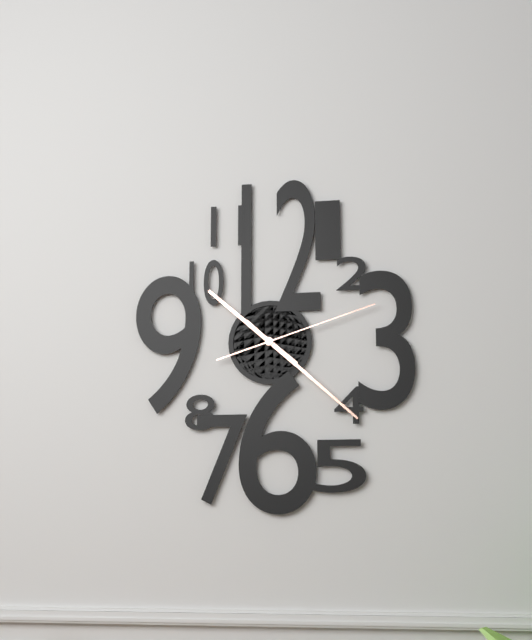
h=10 m=22 s=12
